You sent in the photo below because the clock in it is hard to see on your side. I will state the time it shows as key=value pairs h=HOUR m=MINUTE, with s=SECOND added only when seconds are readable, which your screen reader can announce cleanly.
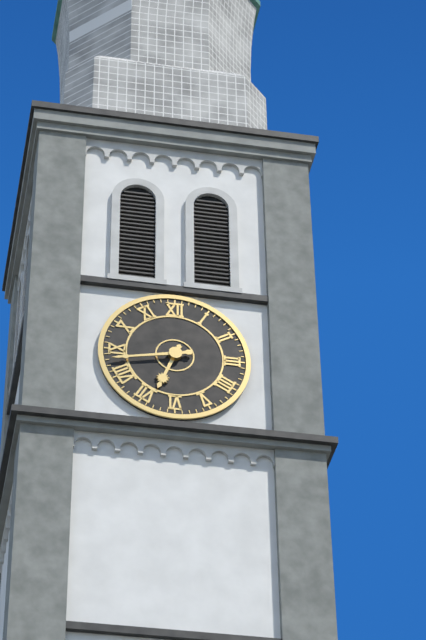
h=6 m=43
